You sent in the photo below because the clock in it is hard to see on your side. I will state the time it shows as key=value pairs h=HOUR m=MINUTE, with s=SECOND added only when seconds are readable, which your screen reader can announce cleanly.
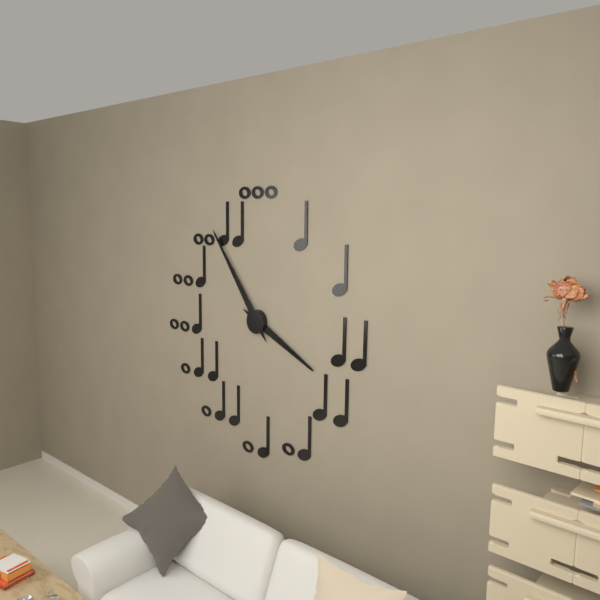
h=3 m=54
